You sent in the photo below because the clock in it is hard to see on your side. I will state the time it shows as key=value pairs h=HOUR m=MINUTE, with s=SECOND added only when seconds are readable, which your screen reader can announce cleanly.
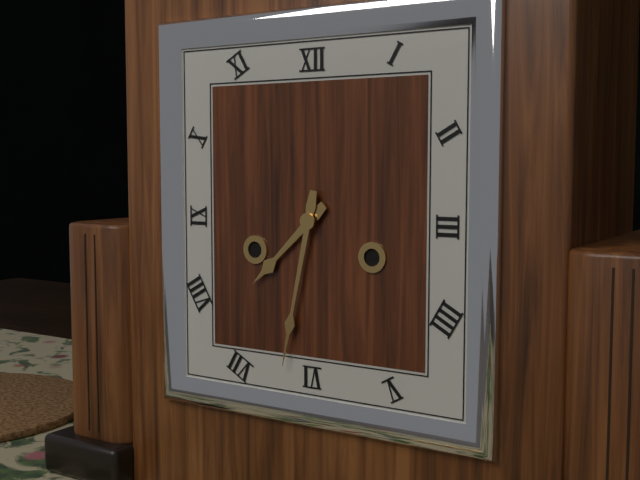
h=7 m=32
